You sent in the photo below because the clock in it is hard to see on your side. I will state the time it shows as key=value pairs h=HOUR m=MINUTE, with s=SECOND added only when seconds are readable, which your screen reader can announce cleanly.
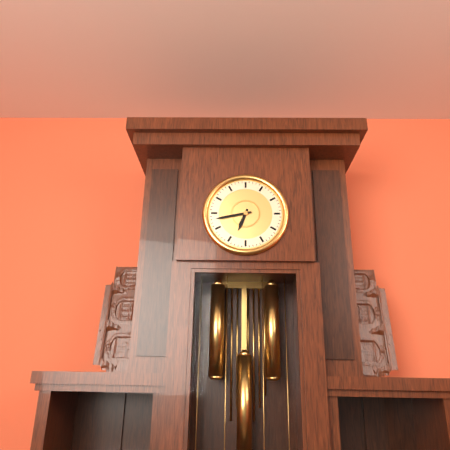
h=6 m=43
